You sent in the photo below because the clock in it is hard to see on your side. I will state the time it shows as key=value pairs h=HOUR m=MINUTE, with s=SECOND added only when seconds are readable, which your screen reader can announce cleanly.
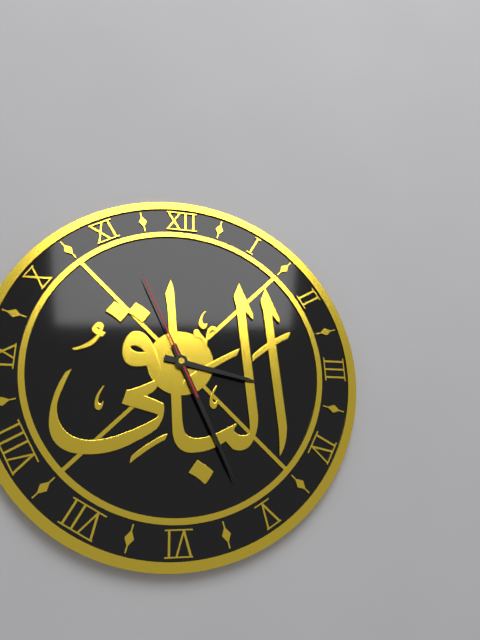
h=3 m=26 s=56
